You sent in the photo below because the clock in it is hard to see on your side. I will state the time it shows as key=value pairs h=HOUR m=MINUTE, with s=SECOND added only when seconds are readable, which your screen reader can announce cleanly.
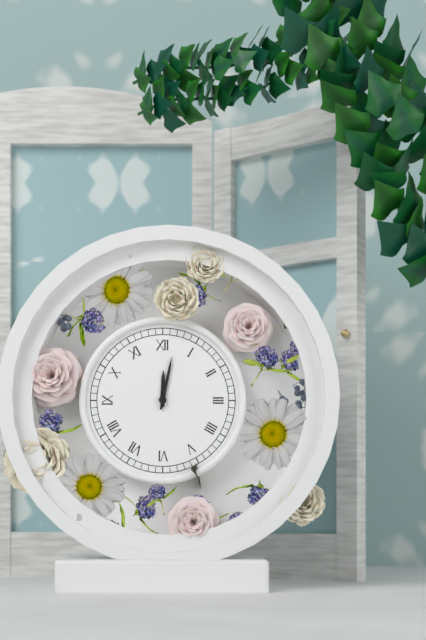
h=12 m=2
